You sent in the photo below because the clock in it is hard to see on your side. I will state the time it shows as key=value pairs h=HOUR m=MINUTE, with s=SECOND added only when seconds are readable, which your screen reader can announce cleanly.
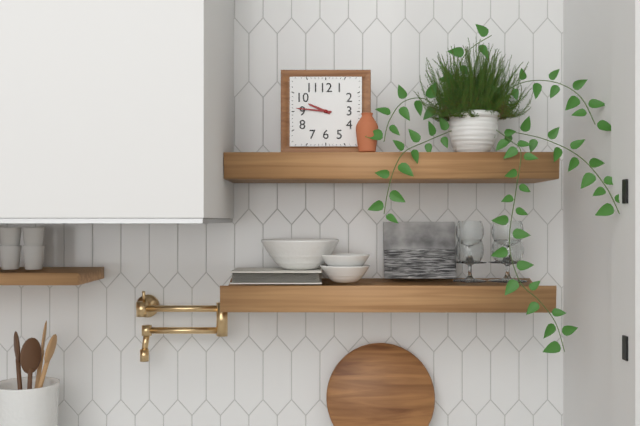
h=9 m=46
